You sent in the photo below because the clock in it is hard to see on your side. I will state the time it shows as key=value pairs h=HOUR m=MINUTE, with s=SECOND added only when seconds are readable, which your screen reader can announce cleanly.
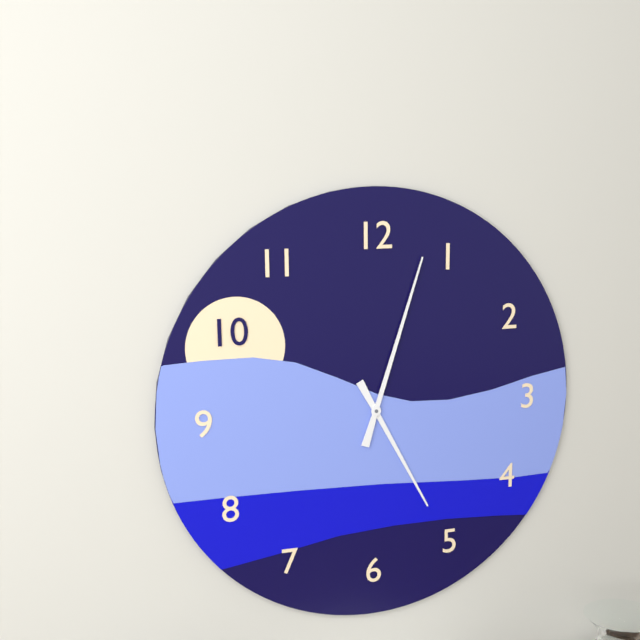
h=5 m=3
